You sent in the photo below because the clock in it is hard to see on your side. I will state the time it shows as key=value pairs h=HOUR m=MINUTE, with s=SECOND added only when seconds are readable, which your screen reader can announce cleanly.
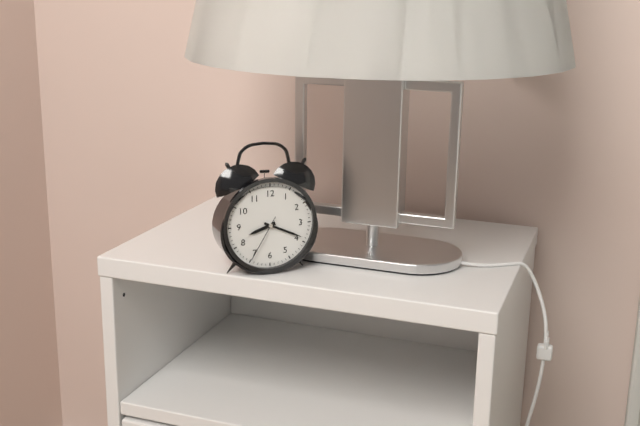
h=8 m=19
